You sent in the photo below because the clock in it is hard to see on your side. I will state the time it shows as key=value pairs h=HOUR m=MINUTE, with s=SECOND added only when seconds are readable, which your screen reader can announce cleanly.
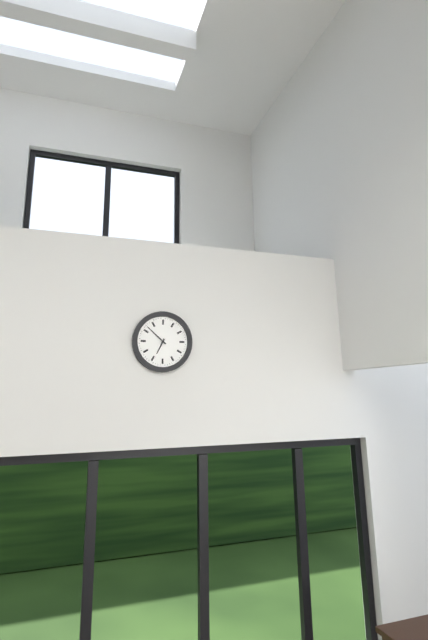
h=6 m=52
